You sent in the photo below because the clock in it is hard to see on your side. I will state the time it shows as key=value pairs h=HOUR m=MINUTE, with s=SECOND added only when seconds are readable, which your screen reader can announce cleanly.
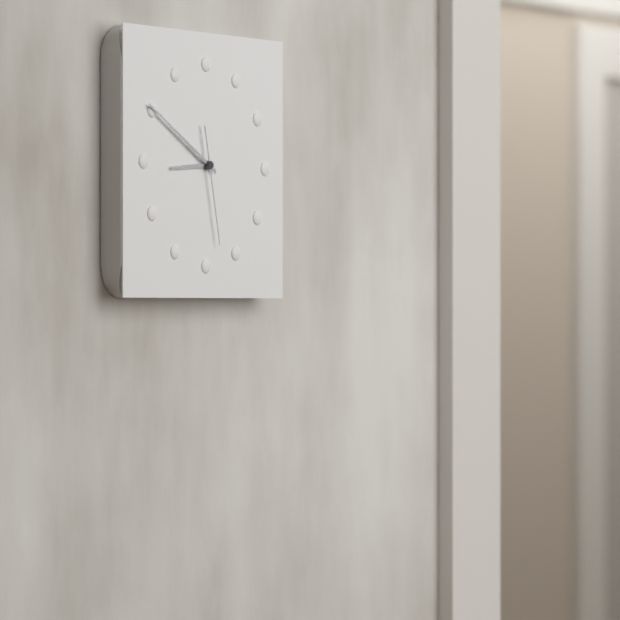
h=8 m=50 s=28
